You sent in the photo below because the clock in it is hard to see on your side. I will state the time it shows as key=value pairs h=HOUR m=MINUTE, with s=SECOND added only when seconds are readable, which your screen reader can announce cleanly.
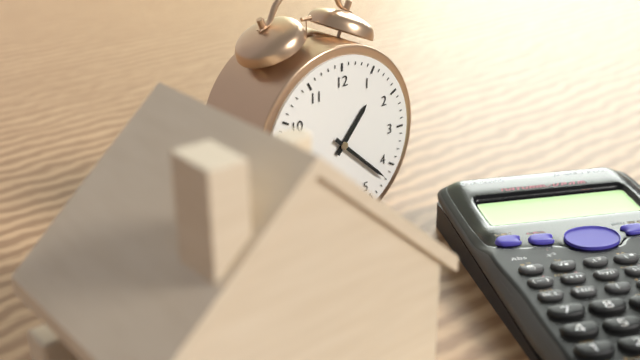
h=1 m=22
